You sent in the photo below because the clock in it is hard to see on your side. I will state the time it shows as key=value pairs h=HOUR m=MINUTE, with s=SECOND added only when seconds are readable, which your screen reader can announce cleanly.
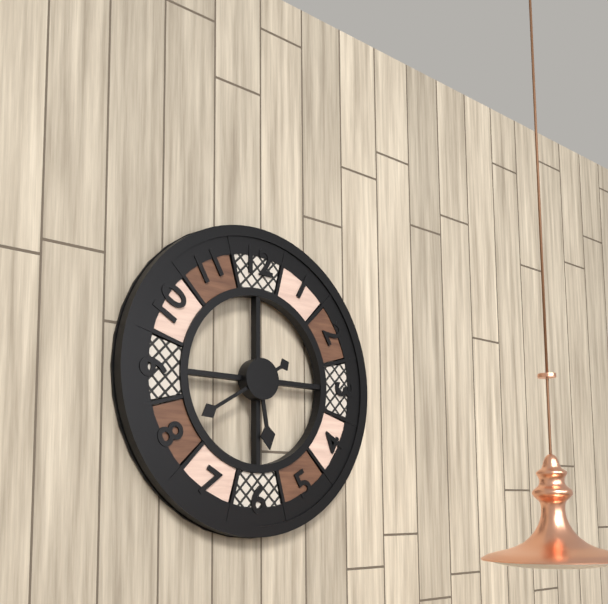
h=5 m=40
